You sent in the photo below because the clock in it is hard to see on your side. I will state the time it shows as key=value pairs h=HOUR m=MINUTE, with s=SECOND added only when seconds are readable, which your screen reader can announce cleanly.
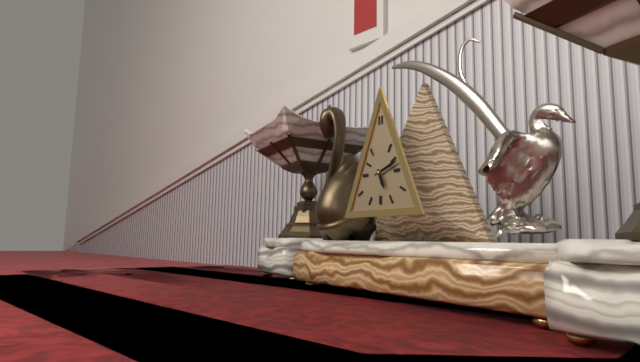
h=5 m=12
